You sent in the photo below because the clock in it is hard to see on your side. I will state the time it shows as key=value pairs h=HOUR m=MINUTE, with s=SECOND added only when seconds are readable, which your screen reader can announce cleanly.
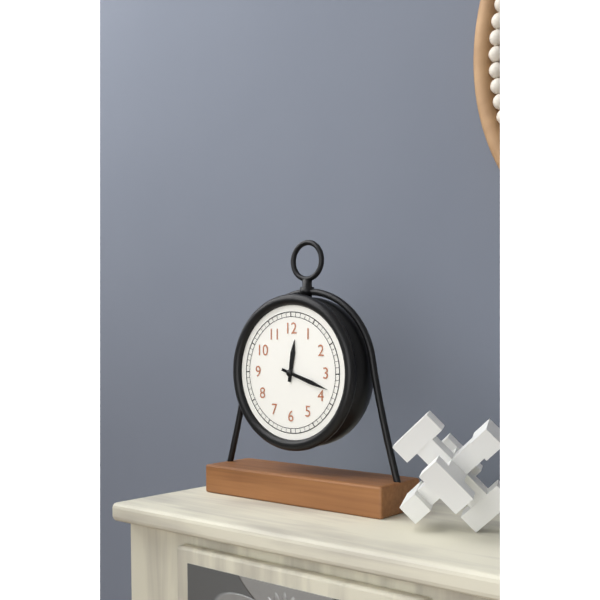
h=12 m=18
